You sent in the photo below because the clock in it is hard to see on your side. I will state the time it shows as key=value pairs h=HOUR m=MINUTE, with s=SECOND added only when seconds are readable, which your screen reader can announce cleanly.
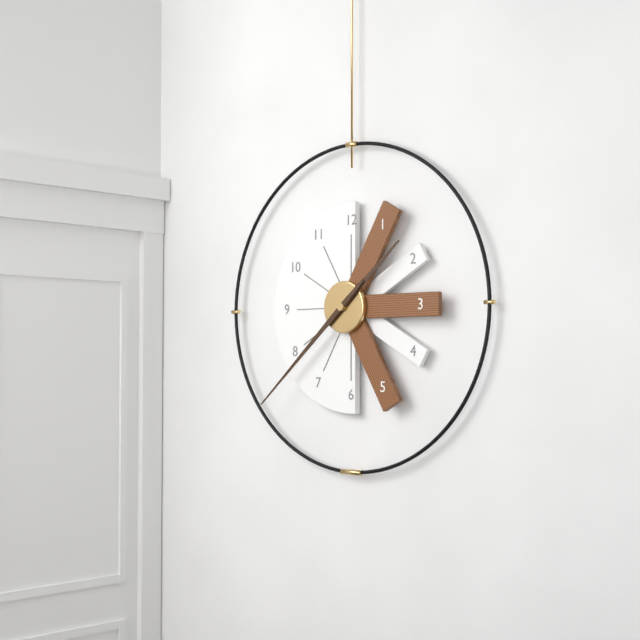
h=1 m=38
